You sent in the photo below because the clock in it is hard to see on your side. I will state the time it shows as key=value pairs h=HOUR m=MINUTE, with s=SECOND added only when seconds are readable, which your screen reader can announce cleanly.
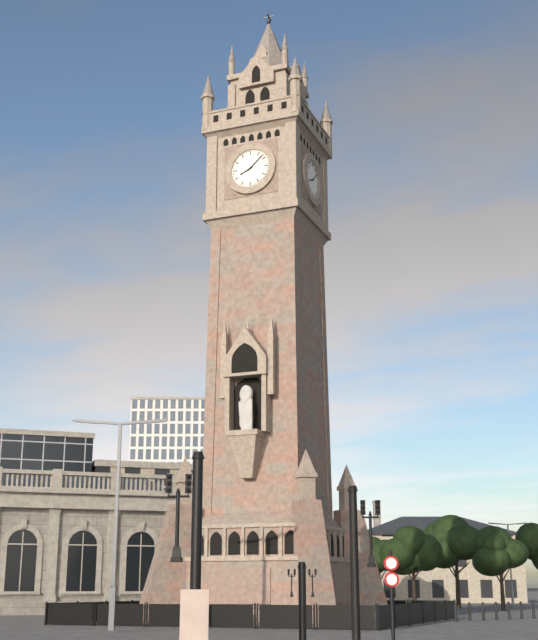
h=8 m=8
